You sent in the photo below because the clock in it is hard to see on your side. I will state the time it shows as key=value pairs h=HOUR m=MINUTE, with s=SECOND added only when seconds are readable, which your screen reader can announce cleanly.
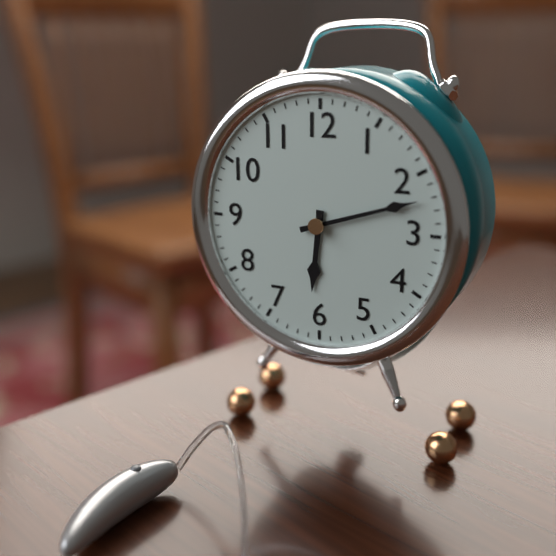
h=6 m=12
